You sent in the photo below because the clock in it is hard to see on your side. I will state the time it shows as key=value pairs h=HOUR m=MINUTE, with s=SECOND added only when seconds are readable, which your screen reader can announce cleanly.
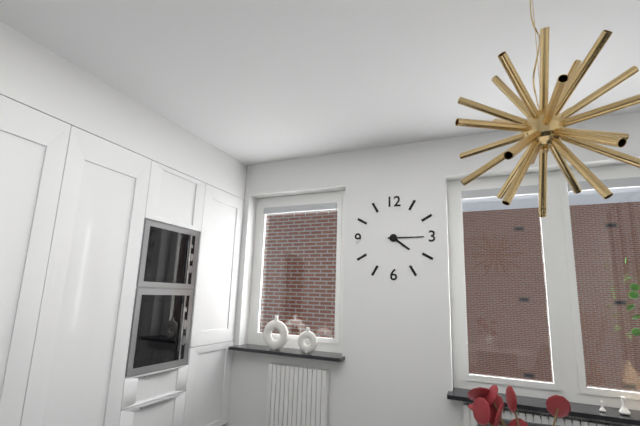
h=4 m=15
